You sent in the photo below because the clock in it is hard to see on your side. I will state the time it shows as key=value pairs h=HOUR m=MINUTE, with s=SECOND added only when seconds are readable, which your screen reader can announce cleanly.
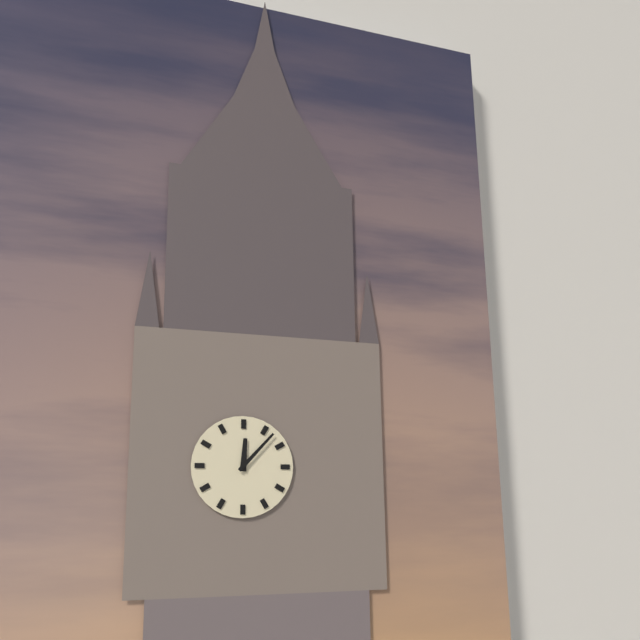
h=12 m=7
